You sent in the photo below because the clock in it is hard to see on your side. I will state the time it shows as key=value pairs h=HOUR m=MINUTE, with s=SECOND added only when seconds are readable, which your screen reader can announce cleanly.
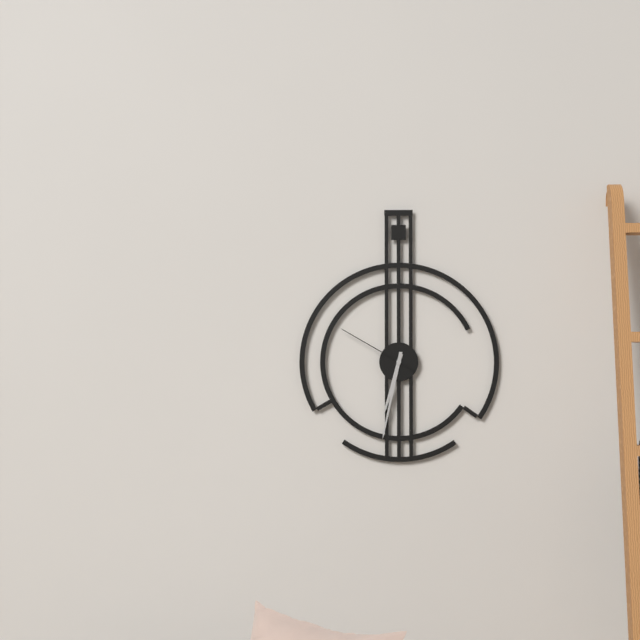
h=6 m=32 s=50
